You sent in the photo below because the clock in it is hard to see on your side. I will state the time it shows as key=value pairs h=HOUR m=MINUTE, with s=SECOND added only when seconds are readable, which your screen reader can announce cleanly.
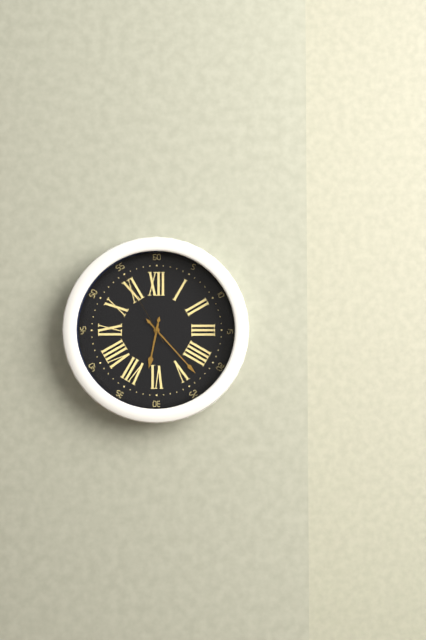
h=6 m=23 s=55
